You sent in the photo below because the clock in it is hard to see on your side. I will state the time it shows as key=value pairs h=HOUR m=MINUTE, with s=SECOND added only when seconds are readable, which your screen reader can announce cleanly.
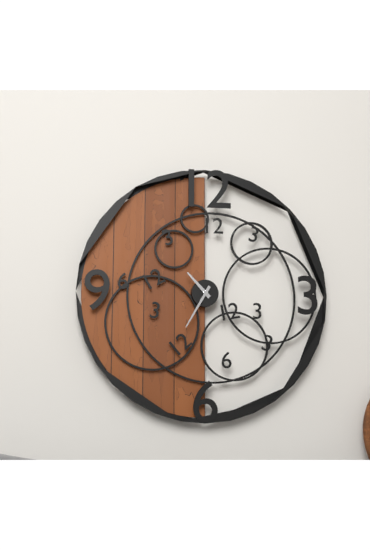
h=10 m=35
